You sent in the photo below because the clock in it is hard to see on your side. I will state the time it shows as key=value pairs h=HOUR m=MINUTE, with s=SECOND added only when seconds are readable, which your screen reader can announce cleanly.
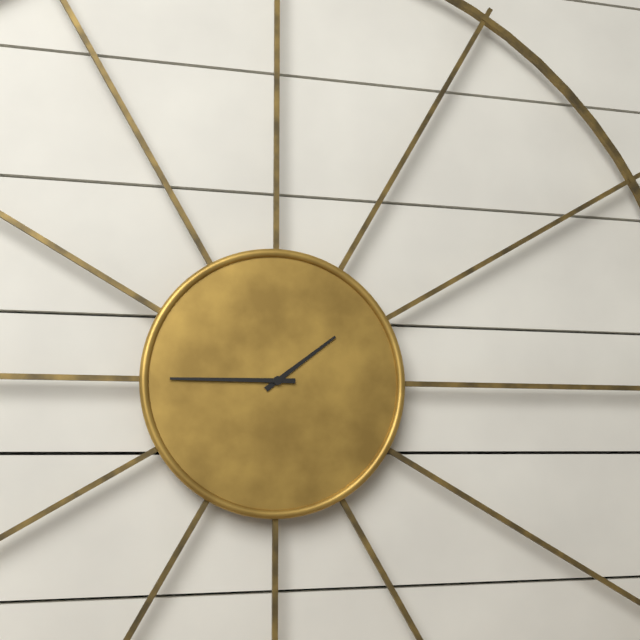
h=1 m=45
